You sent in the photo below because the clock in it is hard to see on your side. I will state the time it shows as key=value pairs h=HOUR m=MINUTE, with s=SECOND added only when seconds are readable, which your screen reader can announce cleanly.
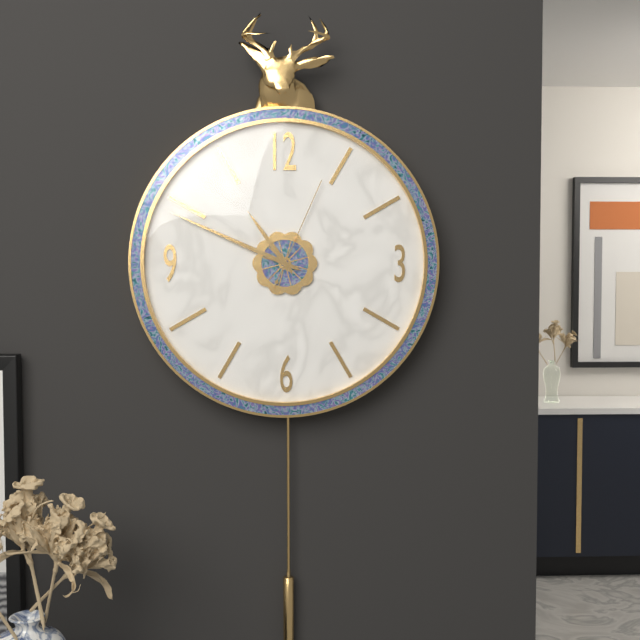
h=10 m=49 s=4
